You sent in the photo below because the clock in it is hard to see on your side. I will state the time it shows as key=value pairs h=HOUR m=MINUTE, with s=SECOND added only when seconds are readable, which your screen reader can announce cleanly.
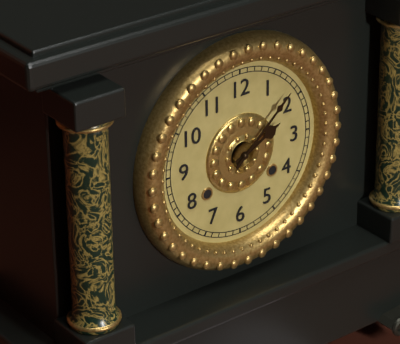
h=2 m=8
